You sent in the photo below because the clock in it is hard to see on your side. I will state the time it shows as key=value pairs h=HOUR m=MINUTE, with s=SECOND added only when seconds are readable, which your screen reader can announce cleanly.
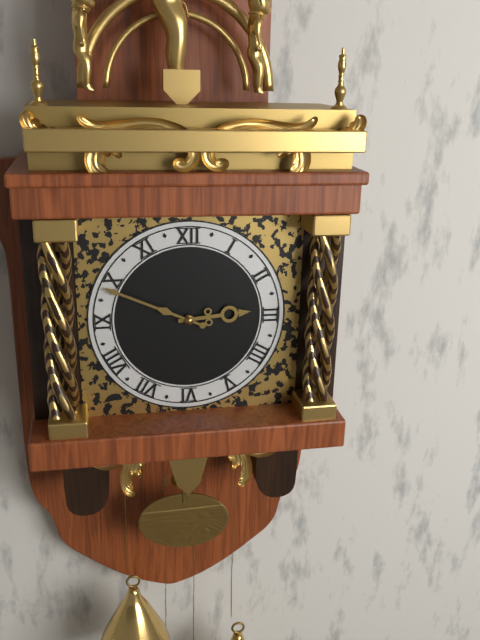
h=2 m=49
